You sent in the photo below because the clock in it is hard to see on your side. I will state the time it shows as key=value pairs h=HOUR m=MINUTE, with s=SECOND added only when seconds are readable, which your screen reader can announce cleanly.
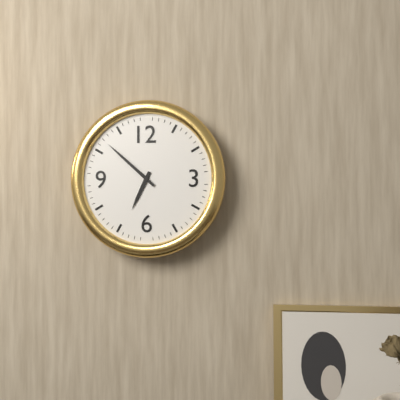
h=6 m=52
